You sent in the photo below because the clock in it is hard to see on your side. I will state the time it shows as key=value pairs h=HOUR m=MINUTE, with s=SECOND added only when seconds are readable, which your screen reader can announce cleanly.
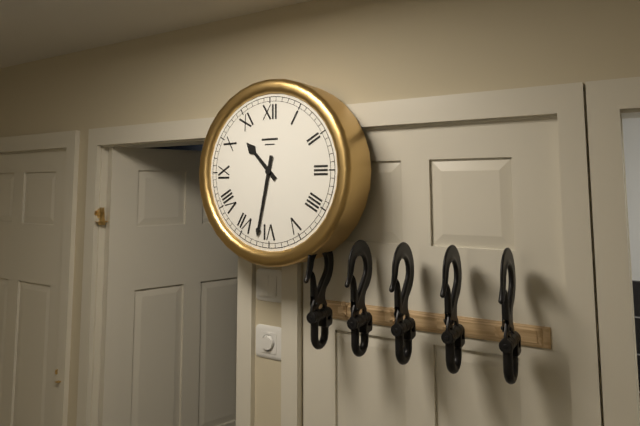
h=10 m=32
